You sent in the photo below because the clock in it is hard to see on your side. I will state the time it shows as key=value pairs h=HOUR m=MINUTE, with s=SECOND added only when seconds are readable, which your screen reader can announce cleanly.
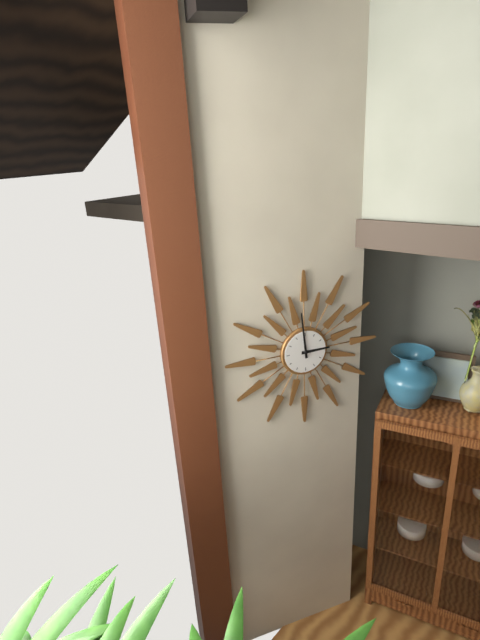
h=2 m=59
